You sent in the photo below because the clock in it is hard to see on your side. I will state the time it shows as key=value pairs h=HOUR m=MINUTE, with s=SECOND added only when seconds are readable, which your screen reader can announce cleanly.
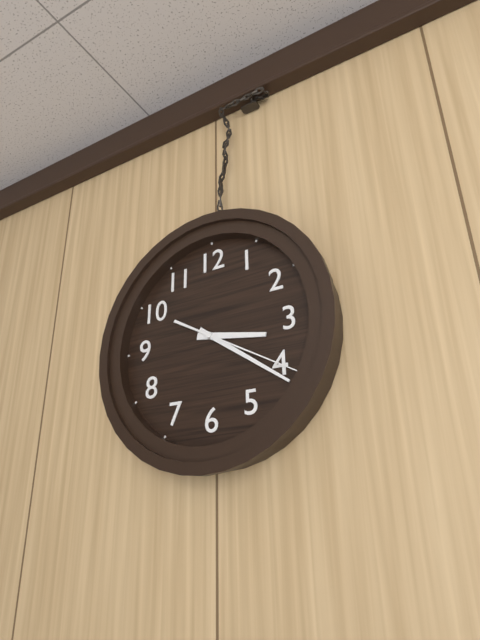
h=3 m=21 s=20
